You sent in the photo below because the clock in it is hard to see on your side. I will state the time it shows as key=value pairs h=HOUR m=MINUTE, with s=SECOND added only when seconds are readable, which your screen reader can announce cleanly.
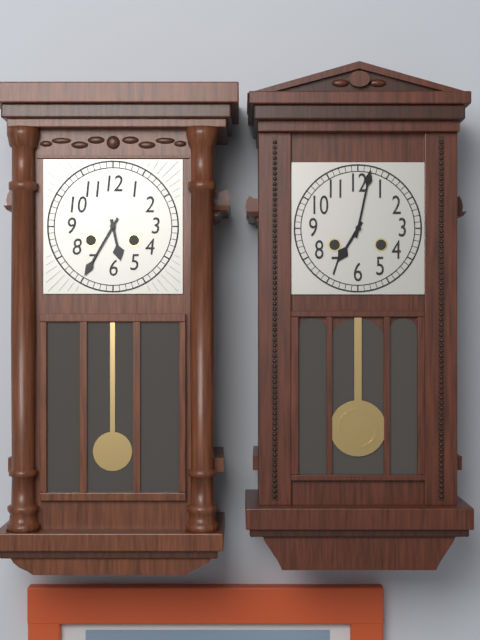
h=5 m=35
